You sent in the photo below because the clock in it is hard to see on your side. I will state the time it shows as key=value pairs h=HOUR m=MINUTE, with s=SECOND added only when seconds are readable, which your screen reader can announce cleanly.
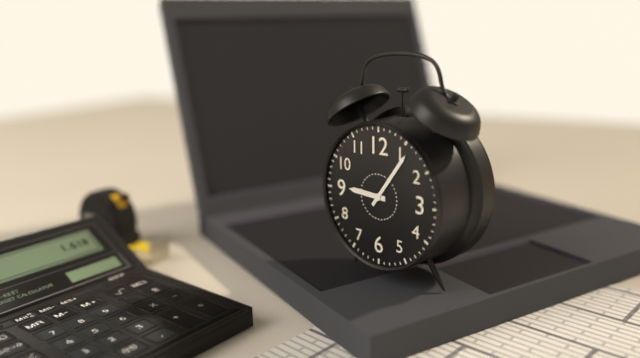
h=9 m=6
